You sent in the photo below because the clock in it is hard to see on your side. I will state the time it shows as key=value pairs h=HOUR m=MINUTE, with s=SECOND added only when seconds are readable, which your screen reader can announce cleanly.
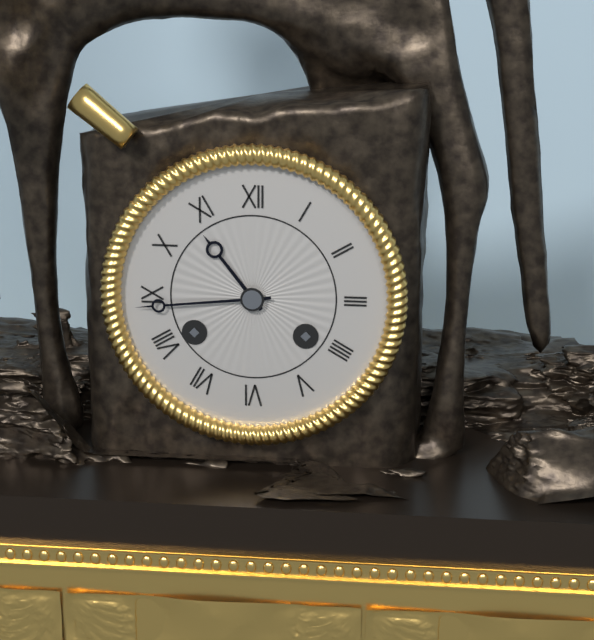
h=10 m=44
